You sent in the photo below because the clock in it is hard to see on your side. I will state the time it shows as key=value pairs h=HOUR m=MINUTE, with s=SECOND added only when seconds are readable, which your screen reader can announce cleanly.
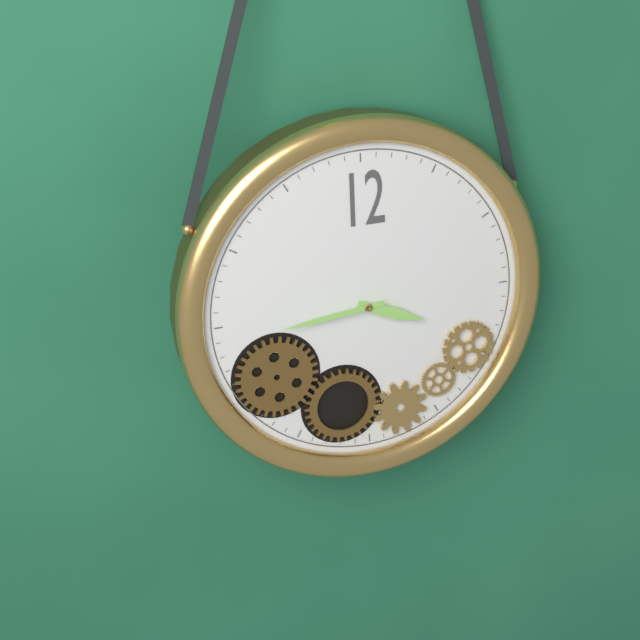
h=3 m=44
